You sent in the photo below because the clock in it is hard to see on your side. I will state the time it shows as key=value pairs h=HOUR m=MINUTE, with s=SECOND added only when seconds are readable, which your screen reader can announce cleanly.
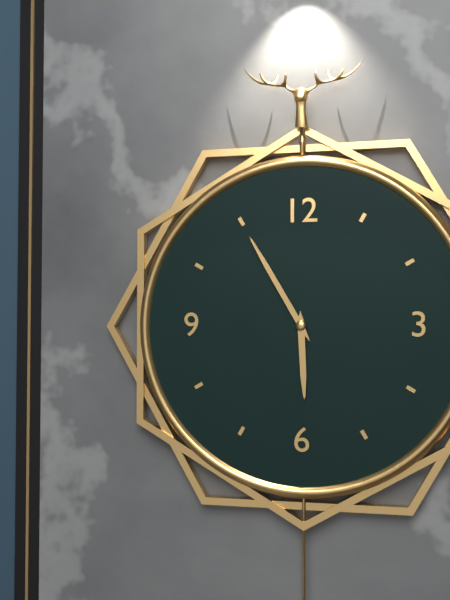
h=5 m=55
